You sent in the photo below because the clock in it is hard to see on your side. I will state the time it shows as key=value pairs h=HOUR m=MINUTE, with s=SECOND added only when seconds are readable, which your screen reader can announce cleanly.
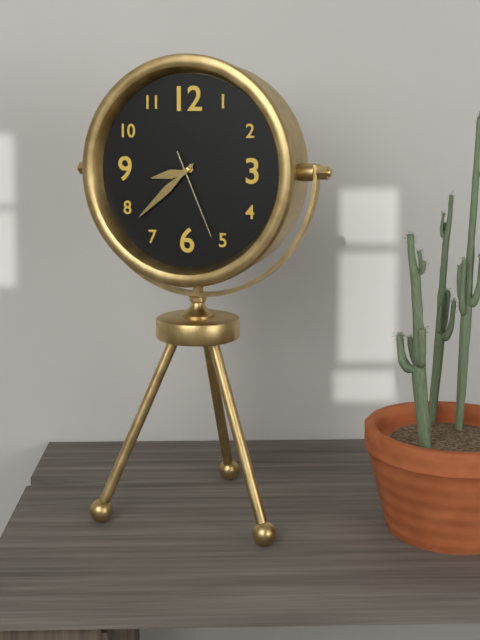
h=8 m=38 s=26
